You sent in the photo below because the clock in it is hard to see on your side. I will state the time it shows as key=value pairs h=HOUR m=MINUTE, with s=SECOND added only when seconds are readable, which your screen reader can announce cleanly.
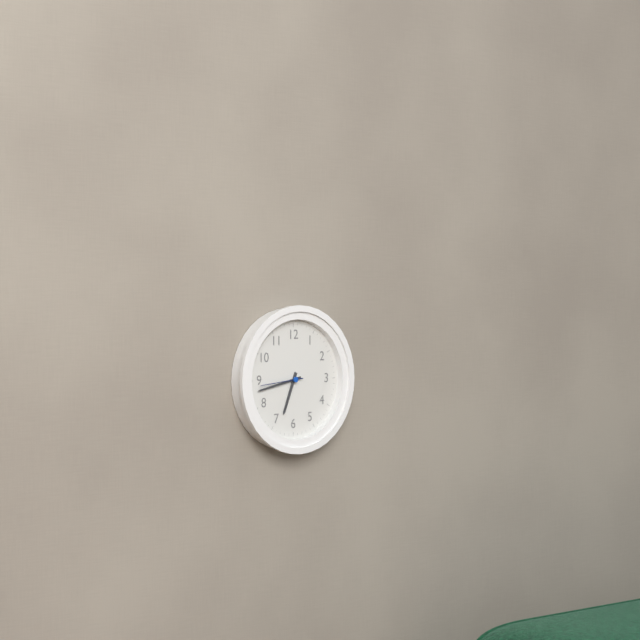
h=6 m=43
